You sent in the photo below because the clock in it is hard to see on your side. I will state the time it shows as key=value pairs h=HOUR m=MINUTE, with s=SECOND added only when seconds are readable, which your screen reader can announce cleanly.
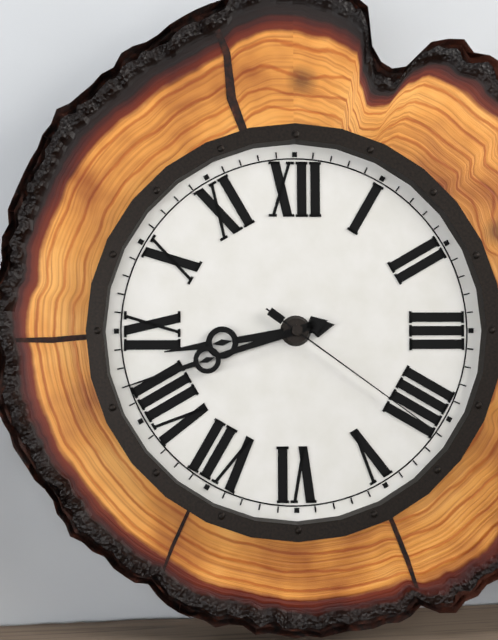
h=8 m=42 s=21
